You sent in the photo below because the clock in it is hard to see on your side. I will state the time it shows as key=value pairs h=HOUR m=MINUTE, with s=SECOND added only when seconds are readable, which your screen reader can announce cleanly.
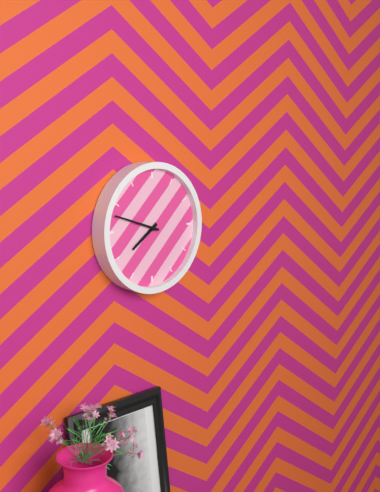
h=7 m=48
